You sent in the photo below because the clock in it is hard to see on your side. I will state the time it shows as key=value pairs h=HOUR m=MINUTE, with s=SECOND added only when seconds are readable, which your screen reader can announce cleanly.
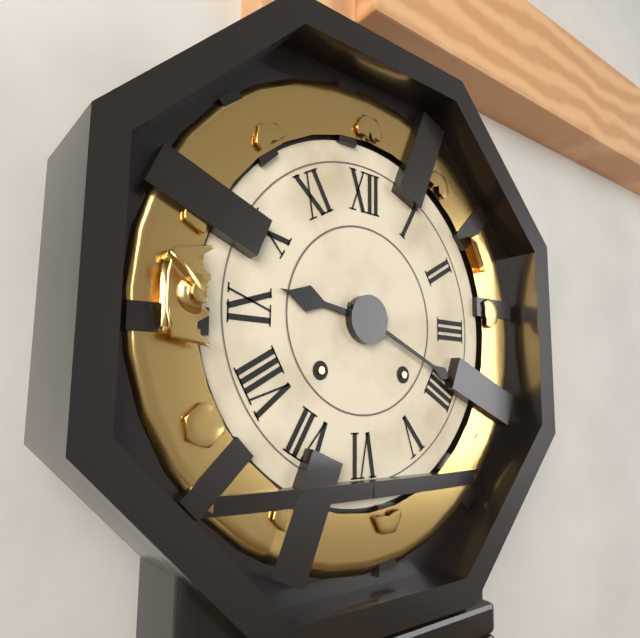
h=9 m=19
